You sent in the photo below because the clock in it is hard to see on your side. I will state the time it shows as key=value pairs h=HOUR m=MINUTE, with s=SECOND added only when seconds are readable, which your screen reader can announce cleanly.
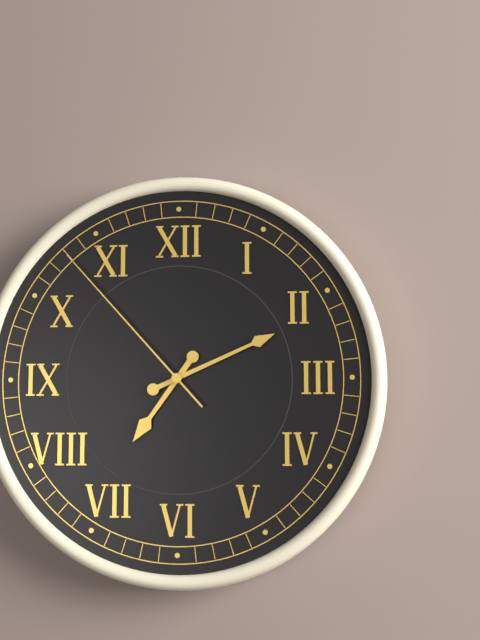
h=7 m=11 s=53
